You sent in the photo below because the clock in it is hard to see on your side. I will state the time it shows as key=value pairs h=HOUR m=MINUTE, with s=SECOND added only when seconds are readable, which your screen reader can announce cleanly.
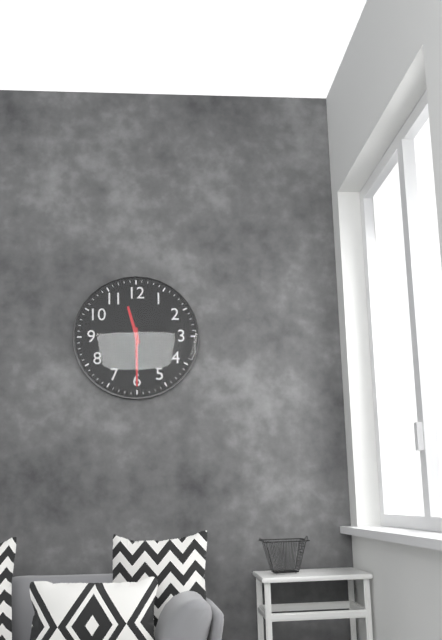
h=11 m=30
